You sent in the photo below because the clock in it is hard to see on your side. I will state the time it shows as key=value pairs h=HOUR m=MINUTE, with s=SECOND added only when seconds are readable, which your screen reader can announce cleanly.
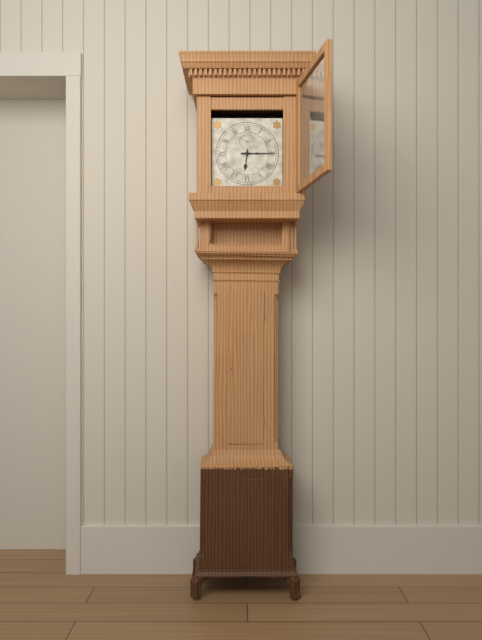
h=6 m=15
